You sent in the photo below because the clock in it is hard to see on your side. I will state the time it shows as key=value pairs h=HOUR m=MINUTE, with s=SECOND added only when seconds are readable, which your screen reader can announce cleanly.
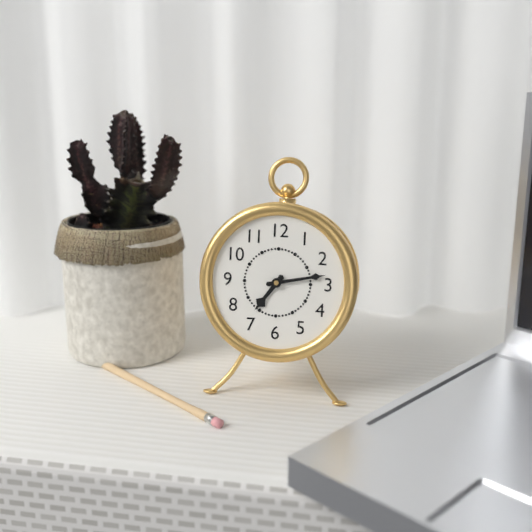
h=7 m=13
